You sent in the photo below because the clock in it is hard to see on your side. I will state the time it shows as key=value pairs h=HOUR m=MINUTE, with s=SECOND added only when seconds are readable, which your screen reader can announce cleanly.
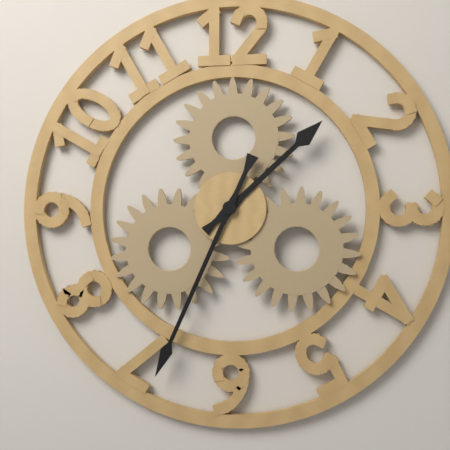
h=1 m=34
